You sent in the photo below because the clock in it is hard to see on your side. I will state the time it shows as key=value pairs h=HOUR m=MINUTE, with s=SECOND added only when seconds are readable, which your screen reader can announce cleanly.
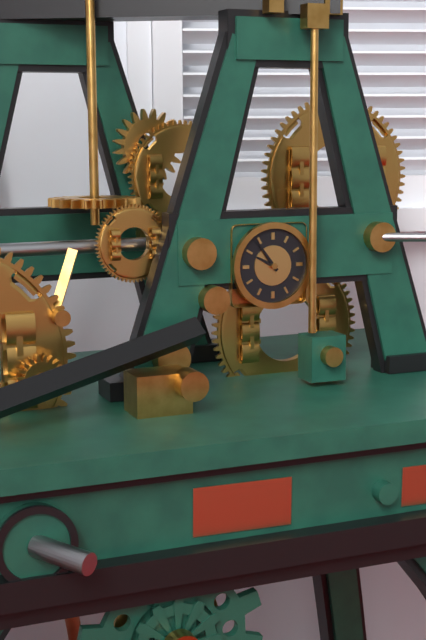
h=9 m=54
